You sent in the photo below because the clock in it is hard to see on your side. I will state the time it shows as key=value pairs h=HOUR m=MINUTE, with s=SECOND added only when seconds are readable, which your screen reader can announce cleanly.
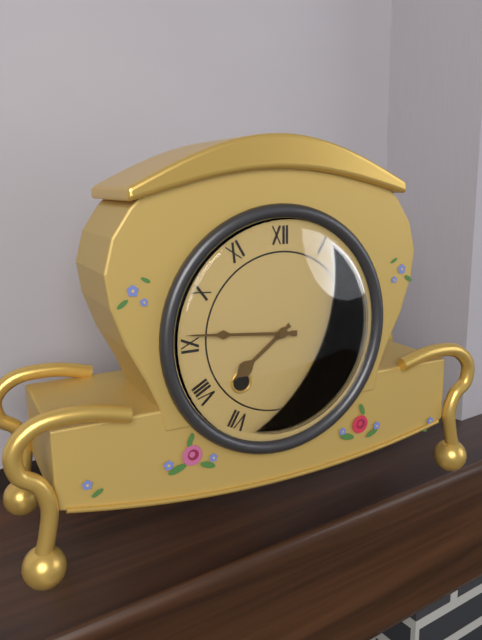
h=7 m=46
